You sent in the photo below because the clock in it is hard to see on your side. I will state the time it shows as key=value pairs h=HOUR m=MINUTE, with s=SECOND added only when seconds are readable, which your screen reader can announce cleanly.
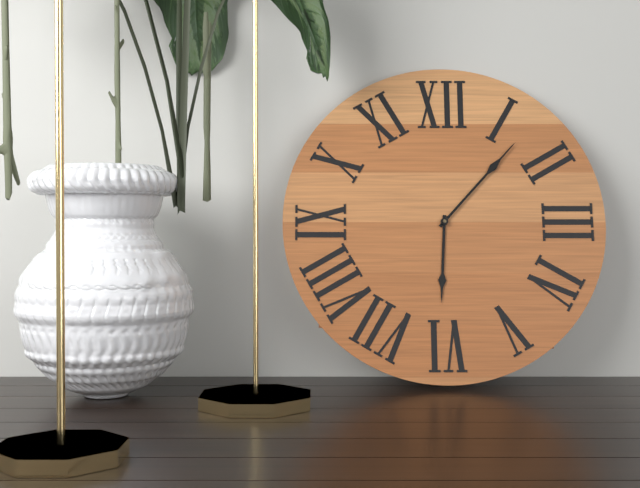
h=6 m=7
